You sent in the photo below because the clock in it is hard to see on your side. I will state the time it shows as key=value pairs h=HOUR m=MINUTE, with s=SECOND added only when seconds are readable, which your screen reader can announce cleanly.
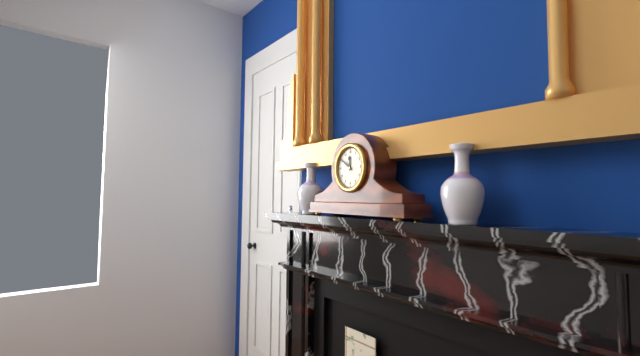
h=11 m=51
